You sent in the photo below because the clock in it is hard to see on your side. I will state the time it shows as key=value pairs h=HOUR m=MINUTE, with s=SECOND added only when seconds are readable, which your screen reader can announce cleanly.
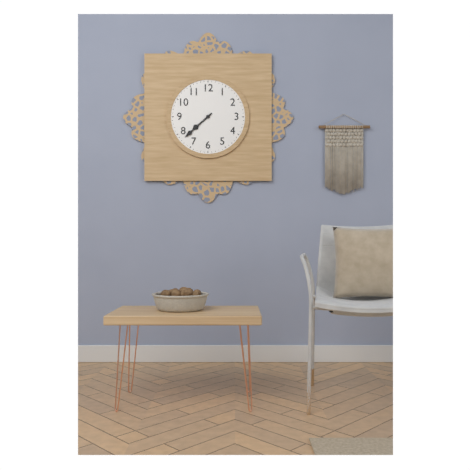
h=7 m=38
